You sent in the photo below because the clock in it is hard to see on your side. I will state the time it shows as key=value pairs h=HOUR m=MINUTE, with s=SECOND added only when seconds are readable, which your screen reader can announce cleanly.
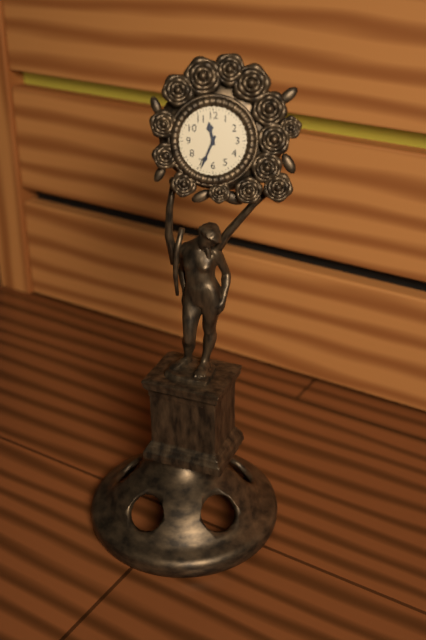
h=11 m=34
